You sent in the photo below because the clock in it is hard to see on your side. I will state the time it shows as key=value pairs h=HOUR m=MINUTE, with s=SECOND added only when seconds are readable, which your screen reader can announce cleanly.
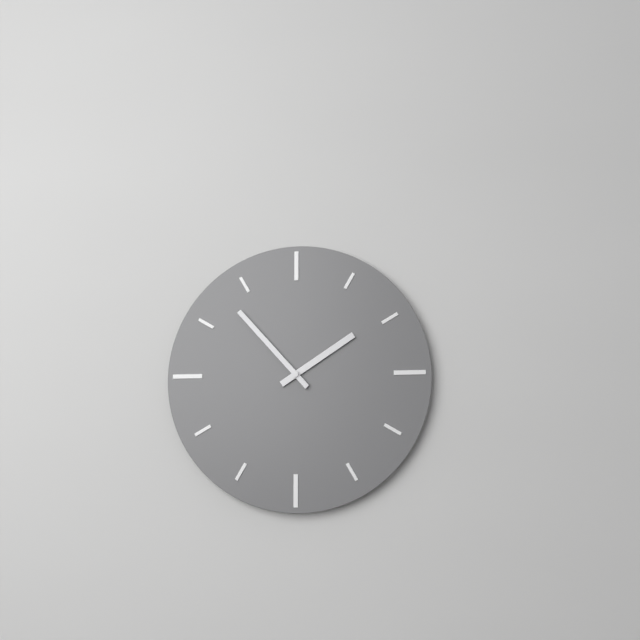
h=1 m=53
